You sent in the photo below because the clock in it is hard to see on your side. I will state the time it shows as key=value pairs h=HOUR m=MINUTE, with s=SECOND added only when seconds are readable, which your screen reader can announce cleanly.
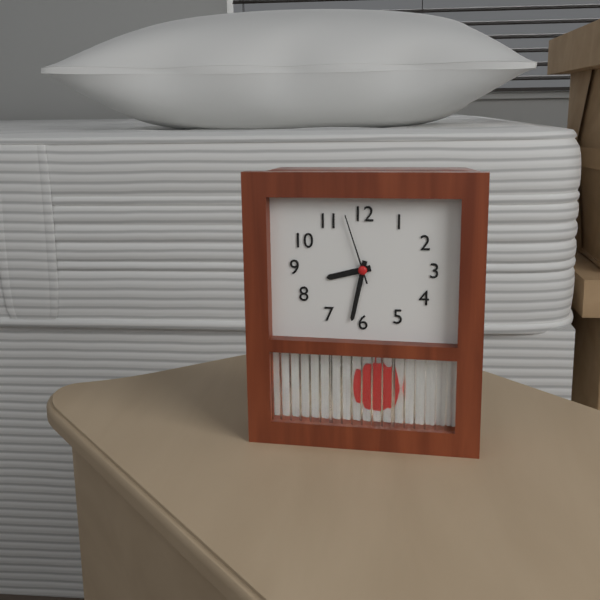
h=8 m=32 s=57
